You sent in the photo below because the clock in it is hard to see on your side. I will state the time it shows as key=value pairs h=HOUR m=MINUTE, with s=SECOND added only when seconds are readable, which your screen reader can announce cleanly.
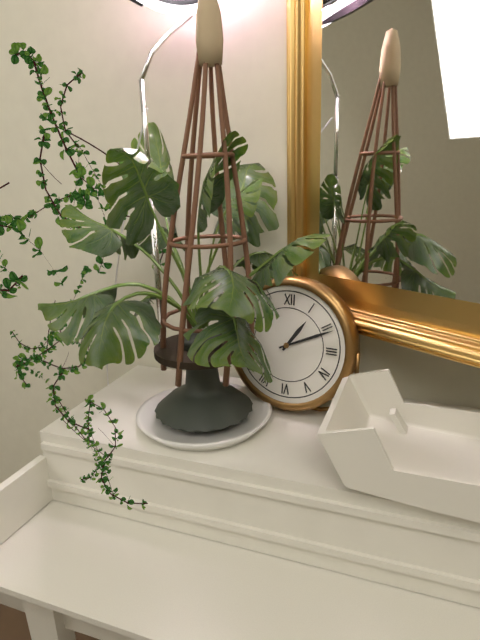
h=1 m=11
